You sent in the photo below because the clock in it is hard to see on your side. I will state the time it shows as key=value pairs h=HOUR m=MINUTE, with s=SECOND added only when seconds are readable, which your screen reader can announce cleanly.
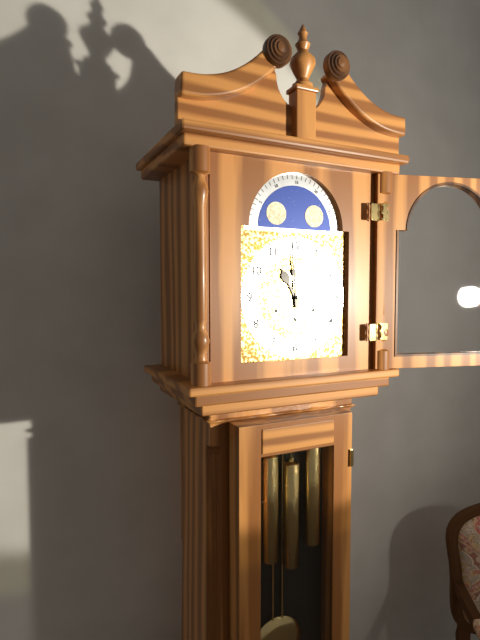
h=10 m=59
